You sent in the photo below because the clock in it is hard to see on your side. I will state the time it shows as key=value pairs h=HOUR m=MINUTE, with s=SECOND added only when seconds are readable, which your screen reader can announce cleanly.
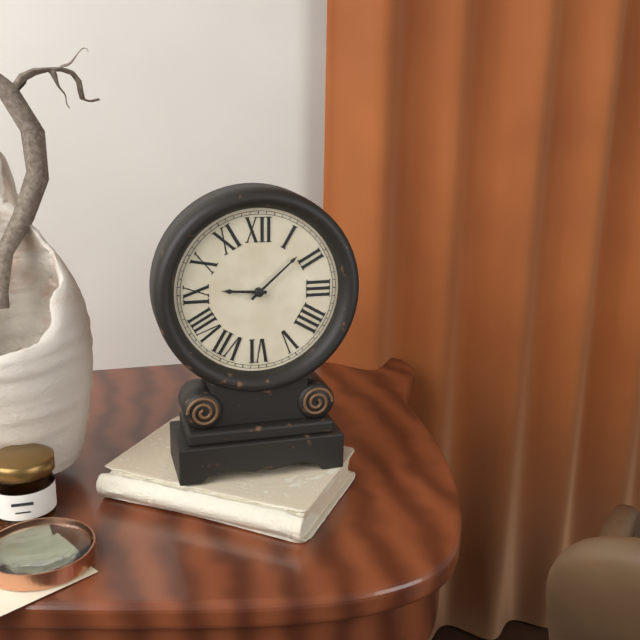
h=9 m=8
